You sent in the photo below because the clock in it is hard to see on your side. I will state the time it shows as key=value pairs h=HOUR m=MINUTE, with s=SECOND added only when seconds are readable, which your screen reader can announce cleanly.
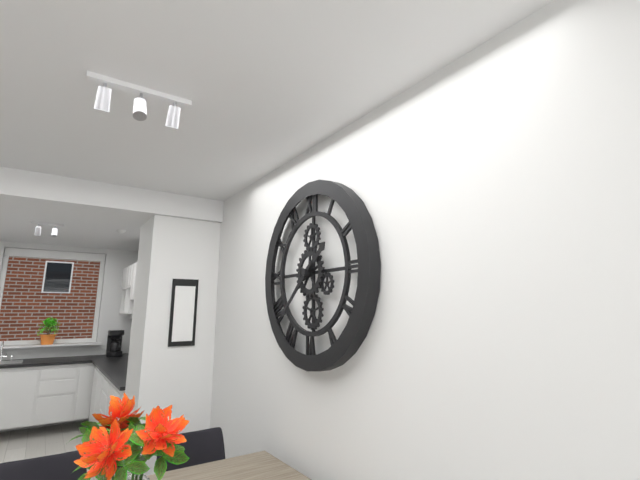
h=1 m=38
